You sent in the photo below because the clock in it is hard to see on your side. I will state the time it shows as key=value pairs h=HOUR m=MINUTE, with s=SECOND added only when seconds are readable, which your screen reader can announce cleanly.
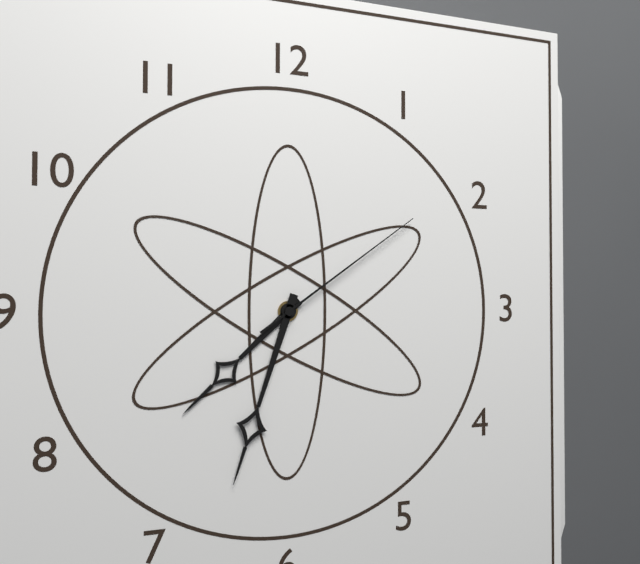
h=7 m=33 s=9
